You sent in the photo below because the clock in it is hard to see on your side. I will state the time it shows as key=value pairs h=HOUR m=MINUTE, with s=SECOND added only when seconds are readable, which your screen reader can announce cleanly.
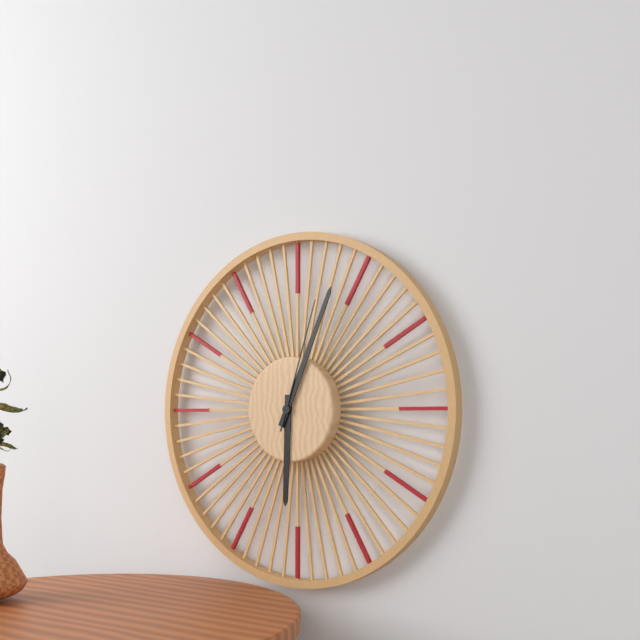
h=6 m=4 s=3
